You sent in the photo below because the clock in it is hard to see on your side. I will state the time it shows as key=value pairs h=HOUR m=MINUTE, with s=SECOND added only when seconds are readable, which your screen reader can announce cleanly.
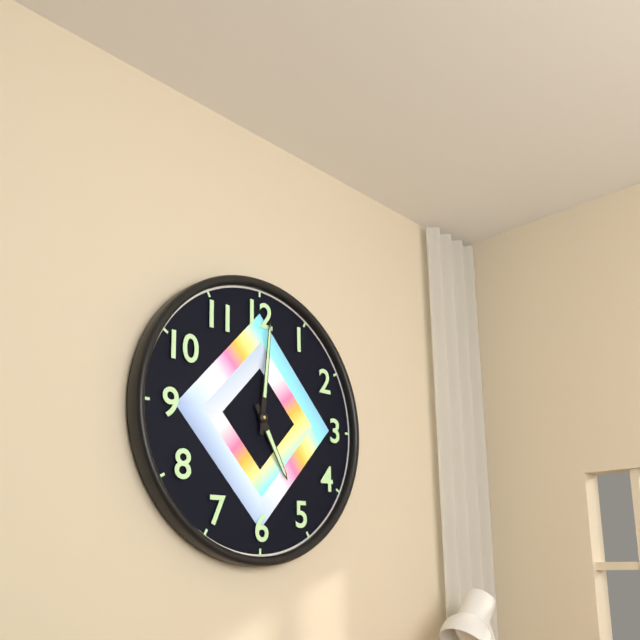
h=5 m=1
